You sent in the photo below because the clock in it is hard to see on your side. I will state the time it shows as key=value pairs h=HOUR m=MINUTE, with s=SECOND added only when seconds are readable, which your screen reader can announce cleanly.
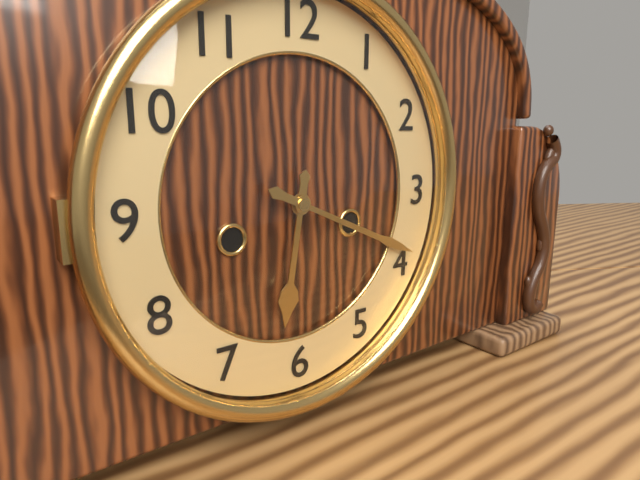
h=6 m=19
